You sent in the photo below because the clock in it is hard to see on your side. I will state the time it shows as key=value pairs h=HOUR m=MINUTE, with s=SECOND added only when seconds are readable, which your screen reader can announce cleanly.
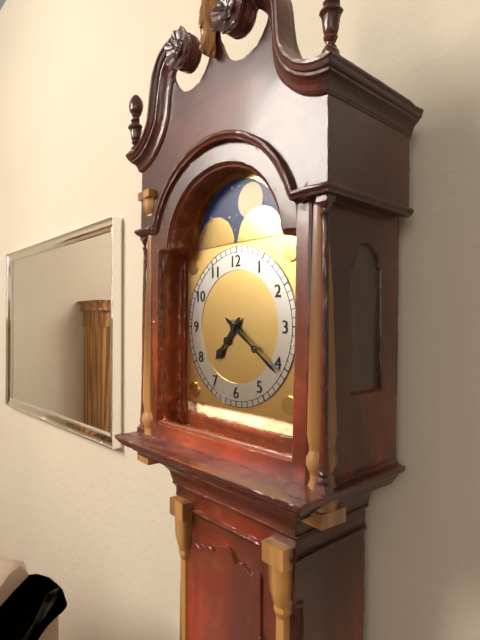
h=7 m=21
